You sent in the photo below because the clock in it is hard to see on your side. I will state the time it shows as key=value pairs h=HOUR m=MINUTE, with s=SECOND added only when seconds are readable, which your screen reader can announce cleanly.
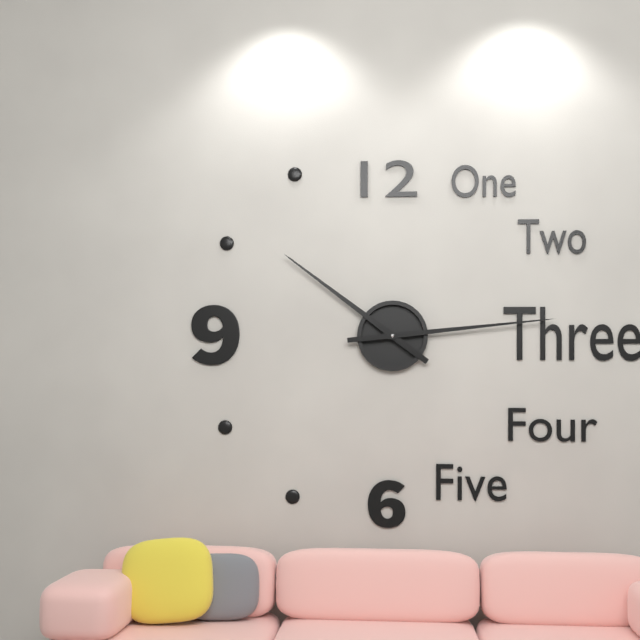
h=10 m=14
